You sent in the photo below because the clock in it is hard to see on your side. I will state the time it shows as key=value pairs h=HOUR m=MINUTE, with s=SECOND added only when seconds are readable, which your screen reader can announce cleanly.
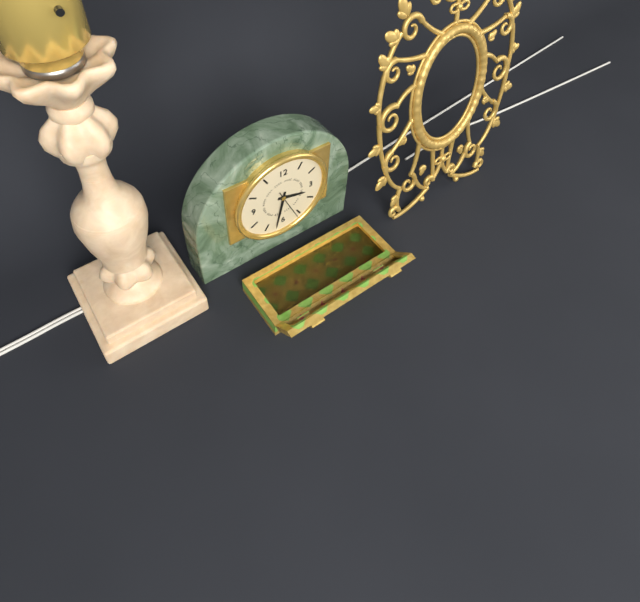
h=3 m=32
